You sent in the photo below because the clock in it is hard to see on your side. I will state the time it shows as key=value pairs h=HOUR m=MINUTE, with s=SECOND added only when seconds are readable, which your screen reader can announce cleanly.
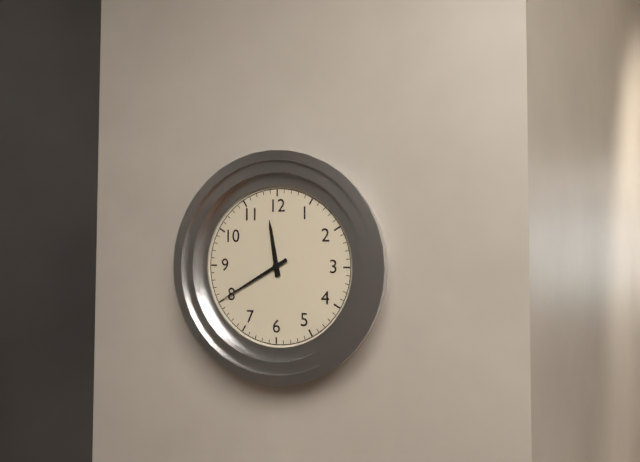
h=11 m=40
